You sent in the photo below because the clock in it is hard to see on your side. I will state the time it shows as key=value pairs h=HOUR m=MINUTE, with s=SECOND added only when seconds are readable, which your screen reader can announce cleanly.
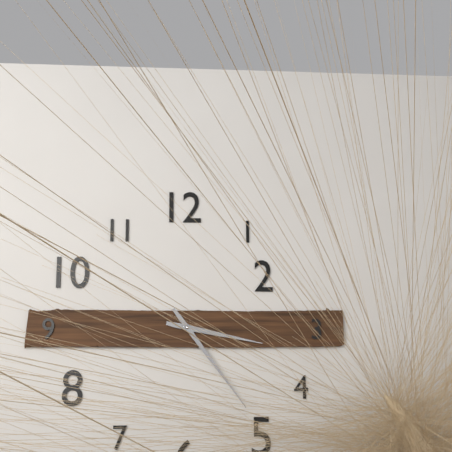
h=3 m=24
